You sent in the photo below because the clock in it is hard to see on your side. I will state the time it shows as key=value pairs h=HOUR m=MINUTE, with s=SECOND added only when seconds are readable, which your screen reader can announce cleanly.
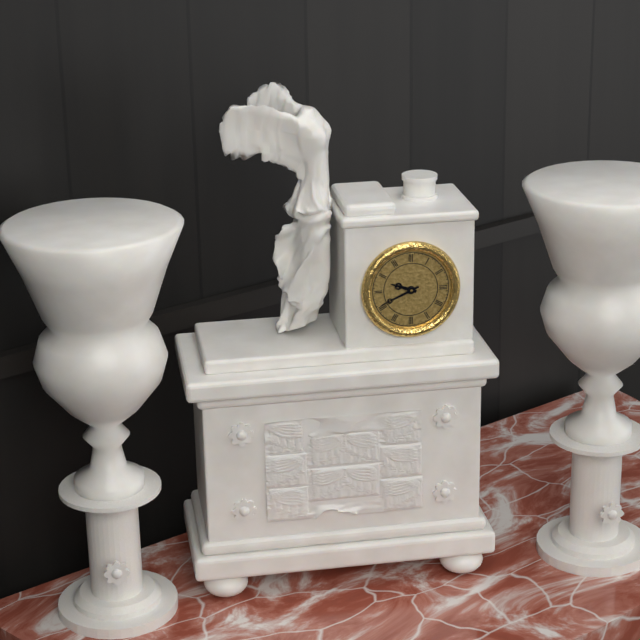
h=9 m=41
